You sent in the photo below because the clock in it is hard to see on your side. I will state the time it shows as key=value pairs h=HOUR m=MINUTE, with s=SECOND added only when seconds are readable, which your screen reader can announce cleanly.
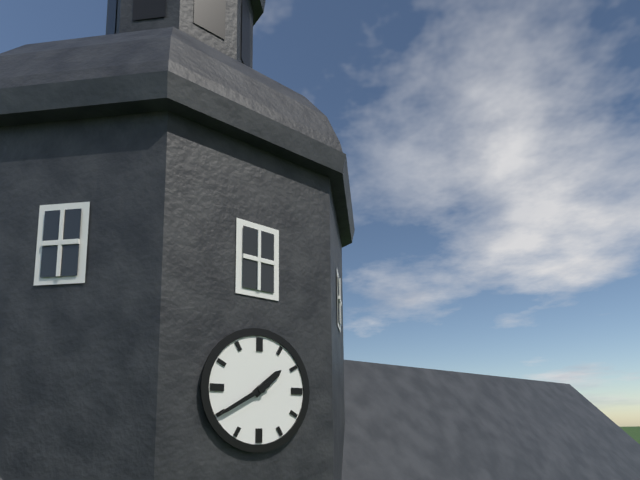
h=1 m=40
